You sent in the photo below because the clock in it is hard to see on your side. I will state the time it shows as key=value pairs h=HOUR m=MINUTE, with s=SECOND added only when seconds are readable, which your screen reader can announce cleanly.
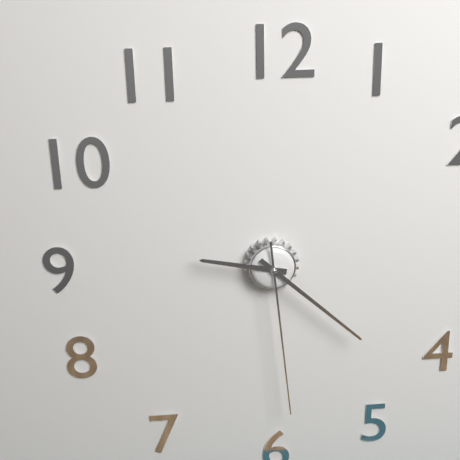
h=9 m=22 s=29
